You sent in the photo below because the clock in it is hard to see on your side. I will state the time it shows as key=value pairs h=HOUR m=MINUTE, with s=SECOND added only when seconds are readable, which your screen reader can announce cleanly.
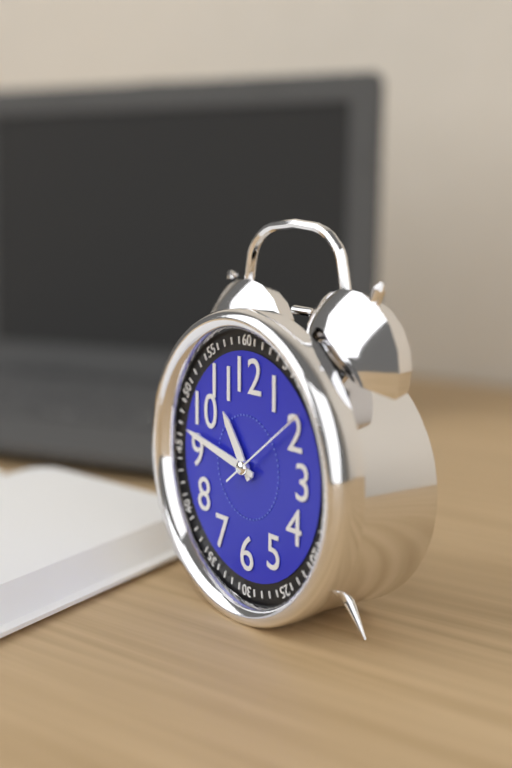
h=10 m=47 s=9
